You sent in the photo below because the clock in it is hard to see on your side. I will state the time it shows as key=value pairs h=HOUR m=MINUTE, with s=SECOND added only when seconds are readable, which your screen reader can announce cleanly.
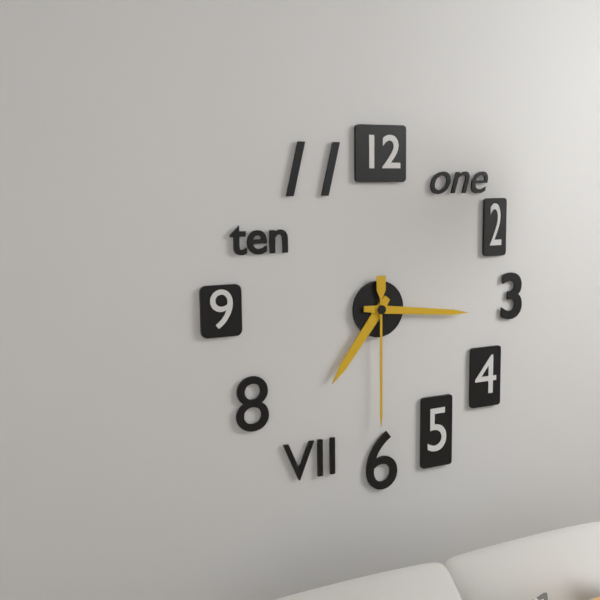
h=7 m=16 s=30
